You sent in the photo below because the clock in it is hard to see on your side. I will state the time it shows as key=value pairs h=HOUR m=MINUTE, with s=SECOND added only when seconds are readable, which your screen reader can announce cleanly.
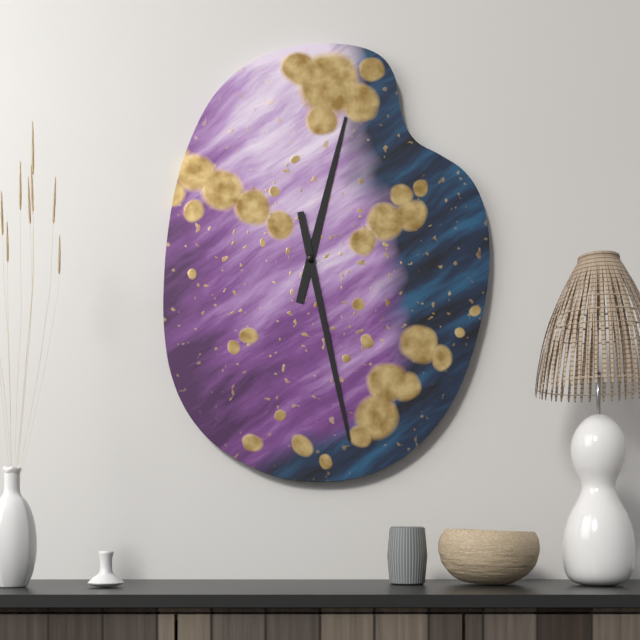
h=12 m=28
